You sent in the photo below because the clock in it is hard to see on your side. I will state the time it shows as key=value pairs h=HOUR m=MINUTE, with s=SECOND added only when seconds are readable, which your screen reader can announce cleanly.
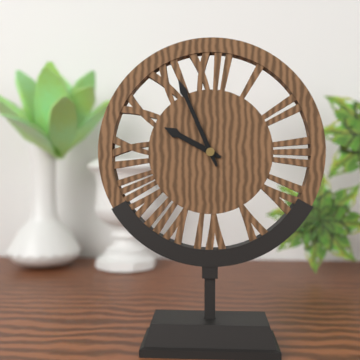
h=9 m=56
